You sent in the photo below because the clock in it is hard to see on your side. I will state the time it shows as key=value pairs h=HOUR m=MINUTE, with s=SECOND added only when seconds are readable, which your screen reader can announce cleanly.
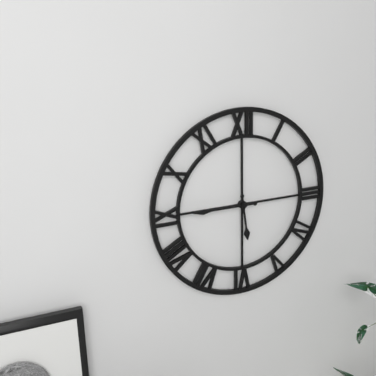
h=5 m=45
